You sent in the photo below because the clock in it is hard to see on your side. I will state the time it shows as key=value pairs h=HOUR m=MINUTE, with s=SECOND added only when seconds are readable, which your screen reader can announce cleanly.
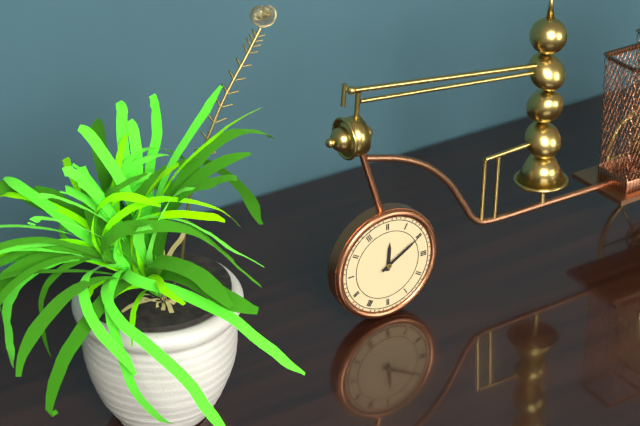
h=12 m=10
